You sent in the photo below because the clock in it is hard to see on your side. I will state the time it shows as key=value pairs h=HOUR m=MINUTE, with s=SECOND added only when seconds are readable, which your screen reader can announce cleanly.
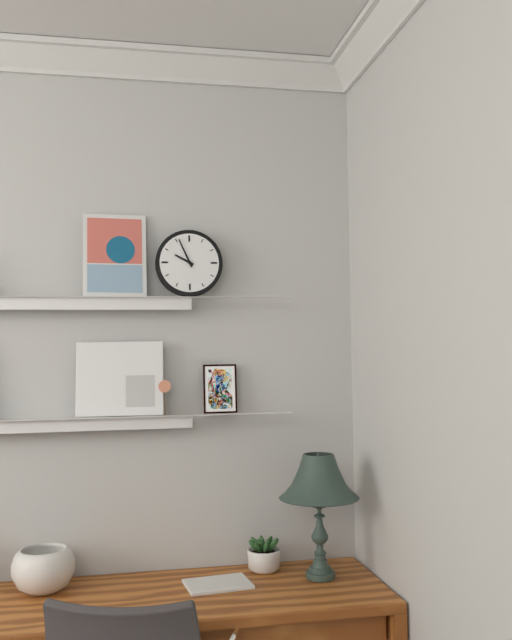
h=9 m=56
